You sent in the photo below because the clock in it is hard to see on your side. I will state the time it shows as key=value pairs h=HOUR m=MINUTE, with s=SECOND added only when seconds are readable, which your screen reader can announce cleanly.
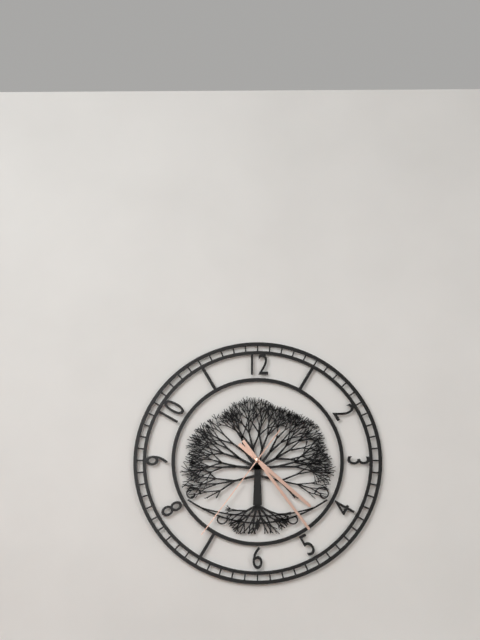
h=4 m=24 s=36
